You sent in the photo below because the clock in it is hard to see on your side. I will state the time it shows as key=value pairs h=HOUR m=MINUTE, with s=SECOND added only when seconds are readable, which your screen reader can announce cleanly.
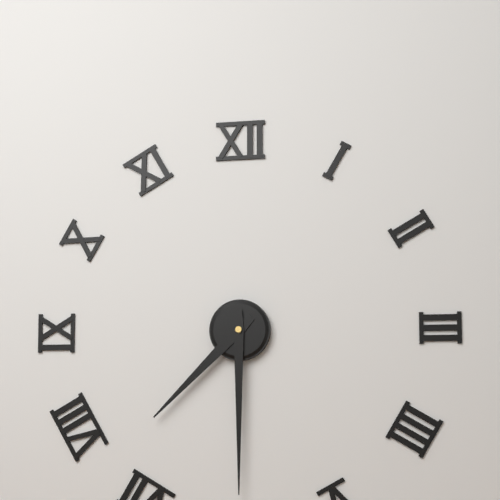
h=7 m=30
